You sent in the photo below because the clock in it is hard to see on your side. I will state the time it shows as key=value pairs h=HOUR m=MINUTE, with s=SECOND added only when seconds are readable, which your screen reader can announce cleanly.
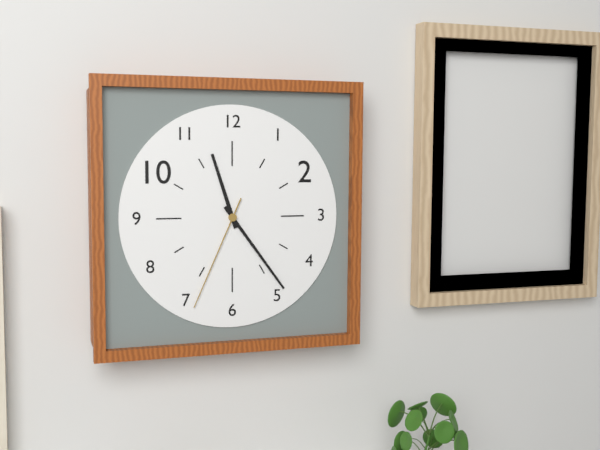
h=11 m=24 s=34
